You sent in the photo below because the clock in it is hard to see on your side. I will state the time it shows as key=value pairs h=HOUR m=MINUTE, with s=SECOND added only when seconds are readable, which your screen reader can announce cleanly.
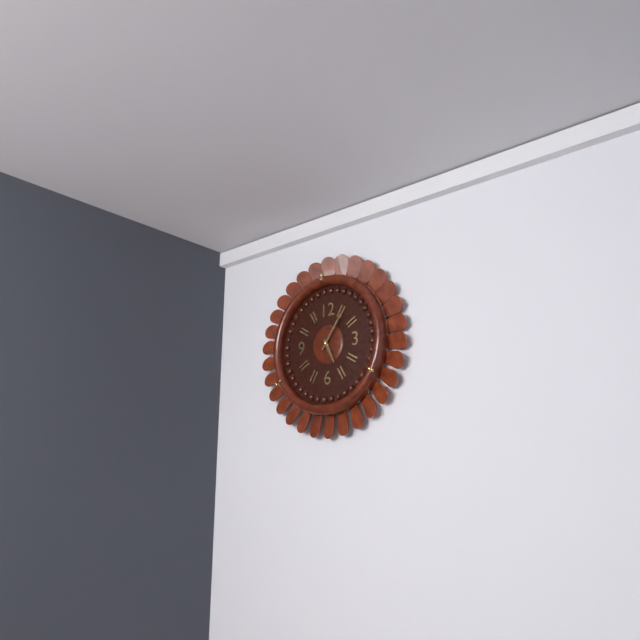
h=5 m=6
